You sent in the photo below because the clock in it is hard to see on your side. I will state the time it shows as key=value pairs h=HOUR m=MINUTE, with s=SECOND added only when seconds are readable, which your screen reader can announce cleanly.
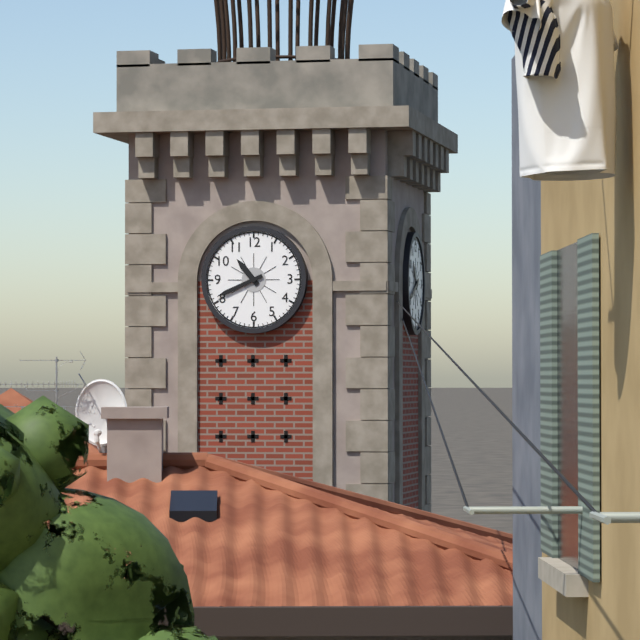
h=10 m=41
